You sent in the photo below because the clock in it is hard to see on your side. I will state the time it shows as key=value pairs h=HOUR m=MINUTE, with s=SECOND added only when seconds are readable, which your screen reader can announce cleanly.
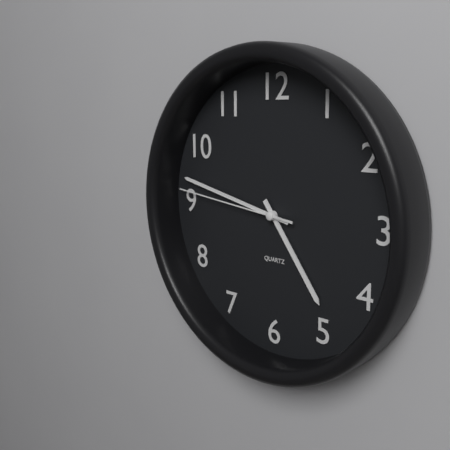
h=4 m=47 s=46
